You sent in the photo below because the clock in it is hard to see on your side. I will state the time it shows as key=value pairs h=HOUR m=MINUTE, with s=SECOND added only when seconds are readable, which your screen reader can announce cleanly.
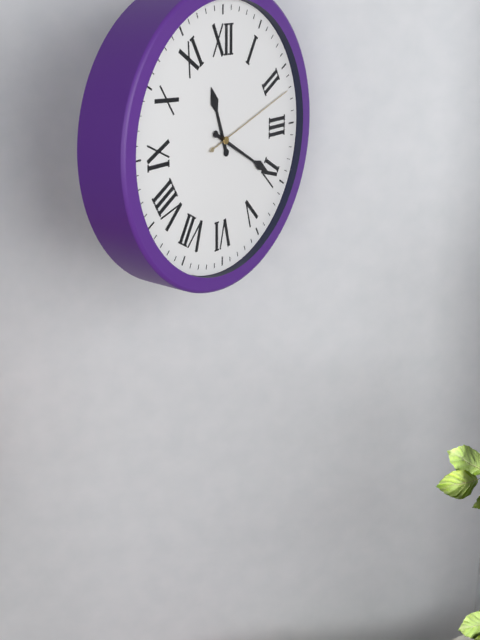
h=11 m=20 s=12
